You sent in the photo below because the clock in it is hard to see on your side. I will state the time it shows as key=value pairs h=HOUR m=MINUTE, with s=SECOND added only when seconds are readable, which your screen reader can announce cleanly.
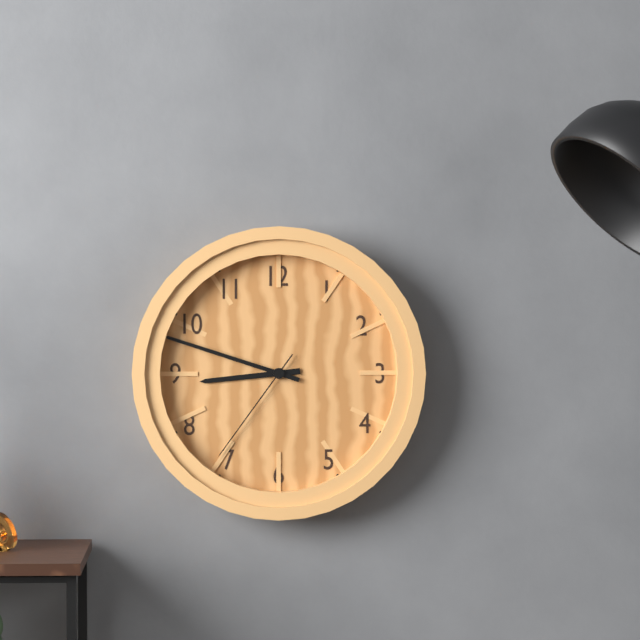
h=8 m=48 s=36
